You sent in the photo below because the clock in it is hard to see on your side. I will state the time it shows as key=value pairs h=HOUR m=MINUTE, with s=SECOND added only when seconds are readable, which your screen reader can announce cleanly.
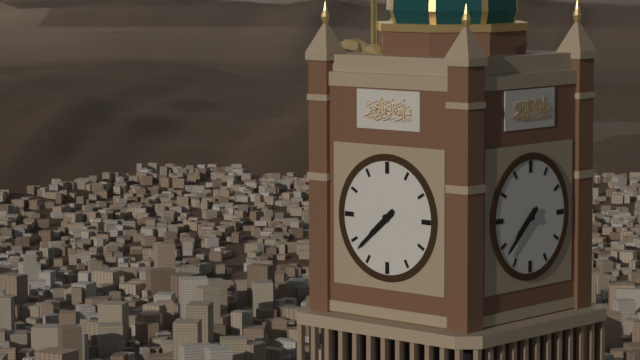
h=7 m=38
